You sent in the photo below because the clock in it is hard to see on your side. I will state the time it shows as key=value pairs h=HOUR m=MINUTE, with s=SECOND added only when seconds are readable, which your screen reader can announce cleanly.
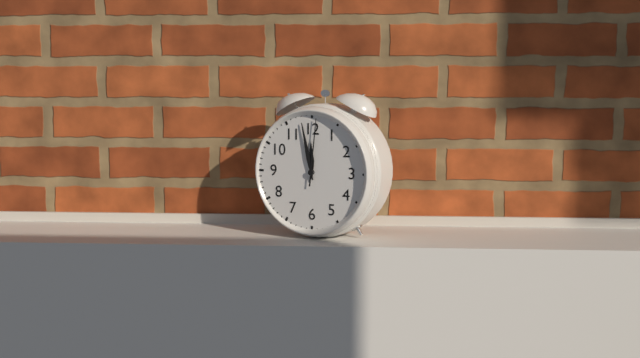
h=11 m=58 s=1
